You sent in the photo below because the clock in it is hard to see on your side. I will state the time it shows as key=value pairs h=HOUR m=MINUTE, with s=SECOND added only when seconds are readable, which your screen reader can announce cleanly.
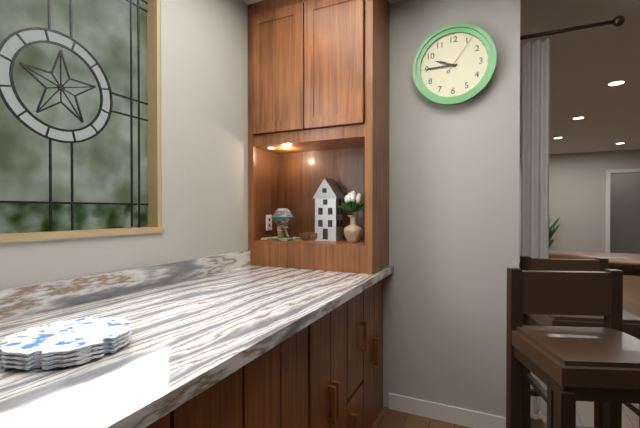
h=9 m=45
